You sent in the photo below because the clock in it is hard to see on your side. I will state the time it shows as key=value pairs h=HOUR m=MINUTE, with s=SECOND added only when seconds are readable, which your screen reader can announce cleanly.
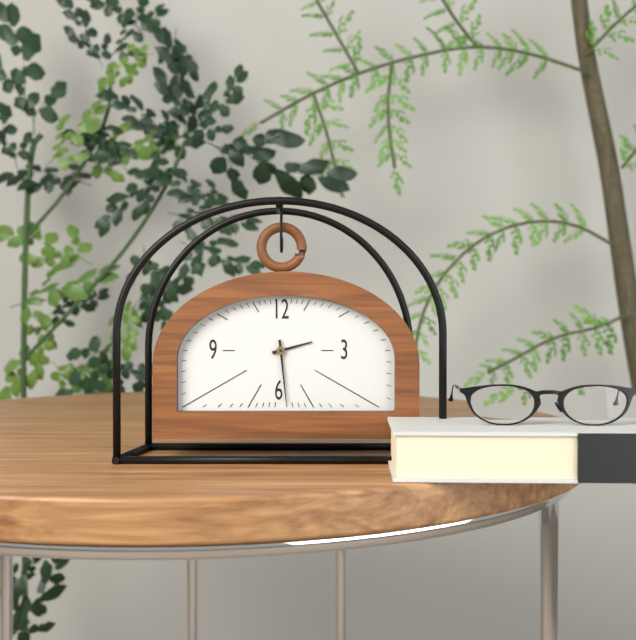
h=2 m=29
